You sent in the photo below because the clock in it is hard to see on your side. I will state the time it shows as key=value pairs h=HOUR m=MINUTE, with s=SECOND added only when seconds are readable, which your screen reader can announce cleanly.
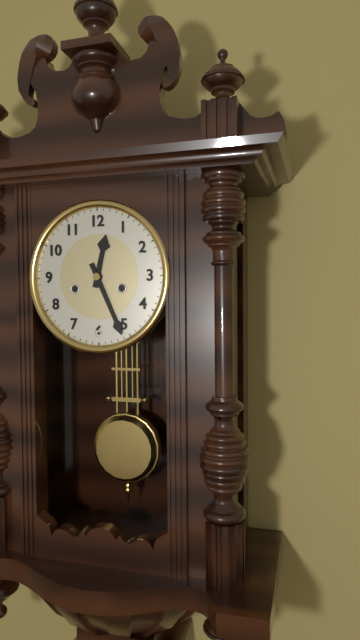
h=12 m=26
